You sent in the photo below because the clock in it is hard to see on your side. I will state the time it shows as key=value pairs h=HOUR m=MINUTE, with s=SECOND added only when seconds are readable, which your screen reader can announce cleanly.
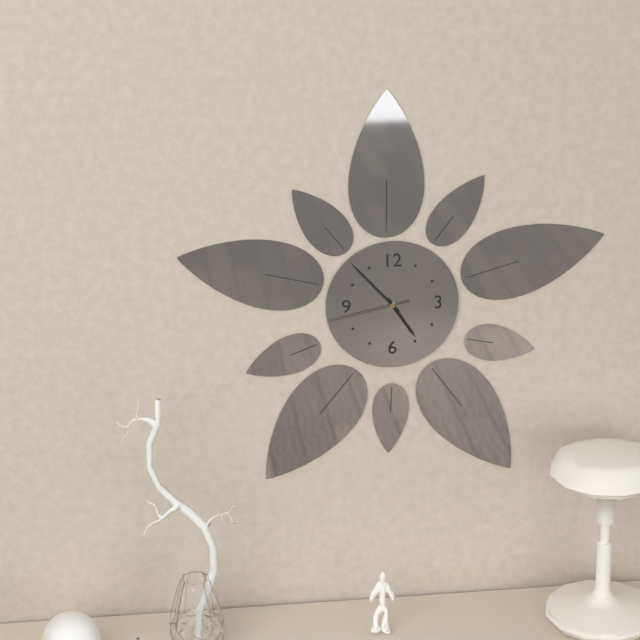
h=4 m=53 s=43
